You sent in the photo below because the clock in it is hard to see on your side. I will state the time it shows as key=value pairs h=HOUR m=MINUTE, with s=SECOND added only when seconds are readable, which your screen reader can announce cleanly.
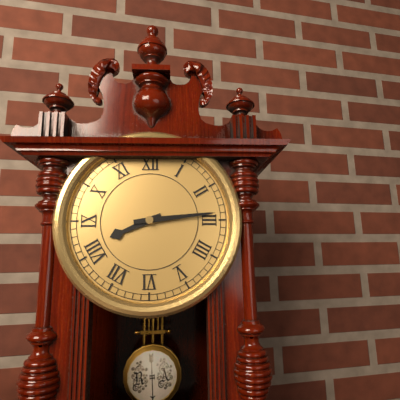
h=8 m=14
